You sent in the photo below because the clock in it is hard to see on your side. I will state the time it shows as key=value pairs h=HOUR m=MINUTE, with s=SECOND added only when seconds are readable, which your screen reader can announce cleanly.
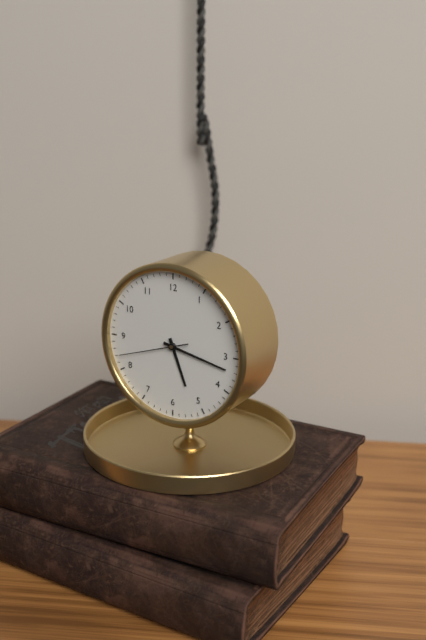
h=5 m=17 s=42
